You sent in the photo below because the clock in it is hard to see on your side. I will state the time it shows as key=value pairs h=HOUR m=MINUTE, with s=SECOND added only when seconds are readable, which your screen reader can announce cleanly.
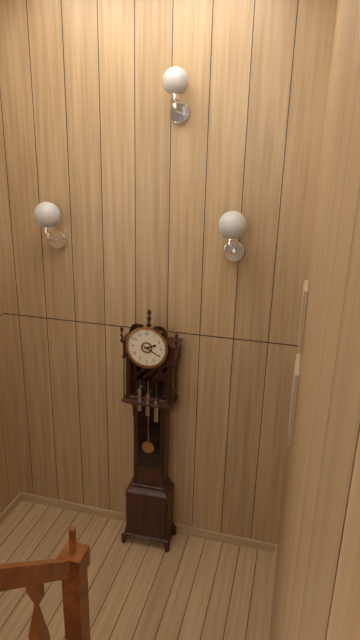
h=2 m=20
